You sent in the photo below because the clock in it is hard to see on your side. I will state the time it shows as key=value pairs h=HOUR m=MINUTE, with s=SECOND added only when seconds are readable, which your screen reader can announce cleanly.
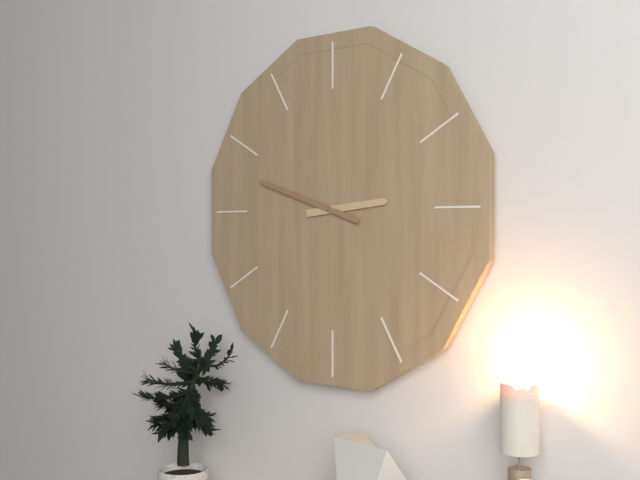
h=2 m=48
